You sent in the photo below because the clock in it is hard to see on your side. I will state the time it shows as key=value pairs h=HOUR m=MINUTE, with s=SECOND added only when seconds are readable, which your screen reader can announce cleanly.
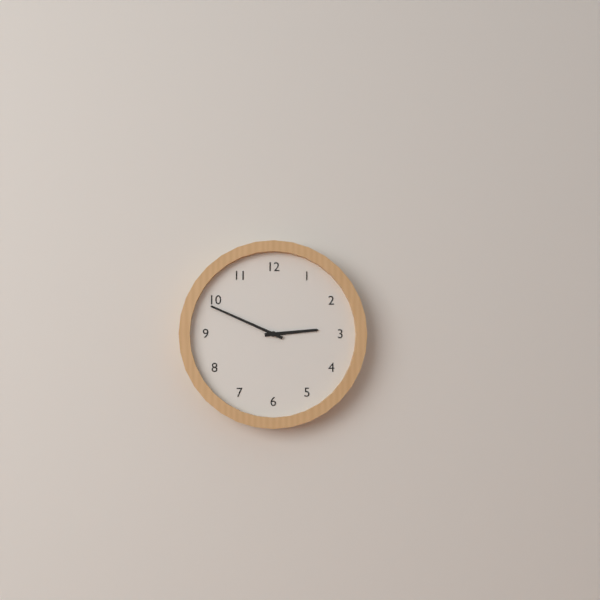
h=2 m=49
